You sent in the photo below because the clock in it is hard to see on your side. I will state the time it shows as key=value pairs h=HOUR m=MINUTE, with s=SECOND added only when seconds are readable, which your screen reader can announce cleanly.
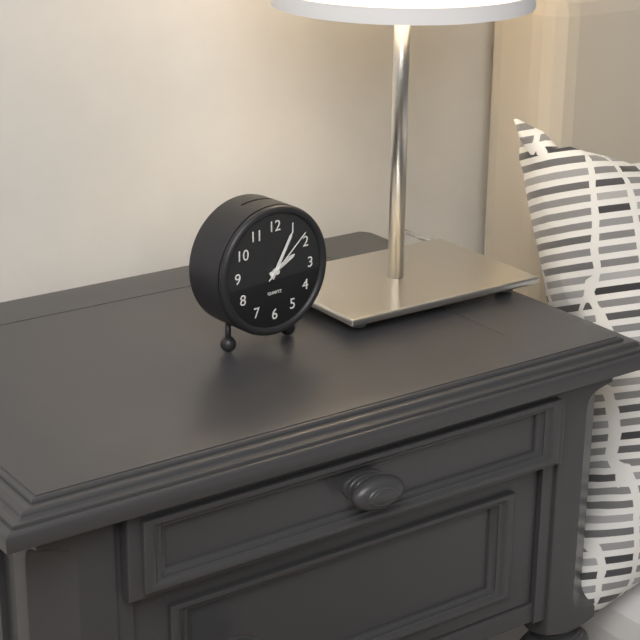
h=2 m=5 s=8
